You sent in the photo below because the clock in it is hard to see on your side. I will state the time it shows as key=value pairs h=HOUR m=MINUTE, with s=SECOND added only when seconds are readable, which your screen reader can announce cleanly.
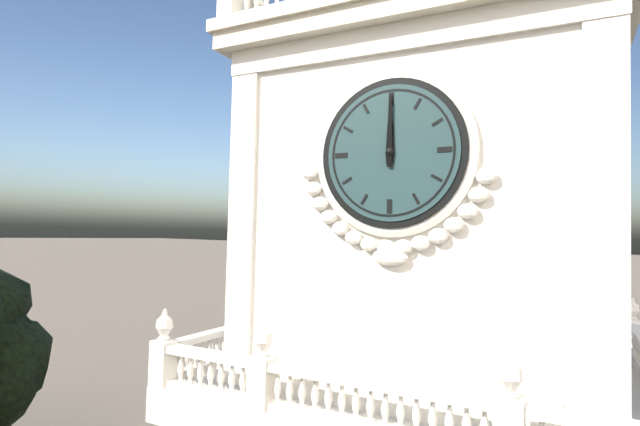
h=12 m=0
